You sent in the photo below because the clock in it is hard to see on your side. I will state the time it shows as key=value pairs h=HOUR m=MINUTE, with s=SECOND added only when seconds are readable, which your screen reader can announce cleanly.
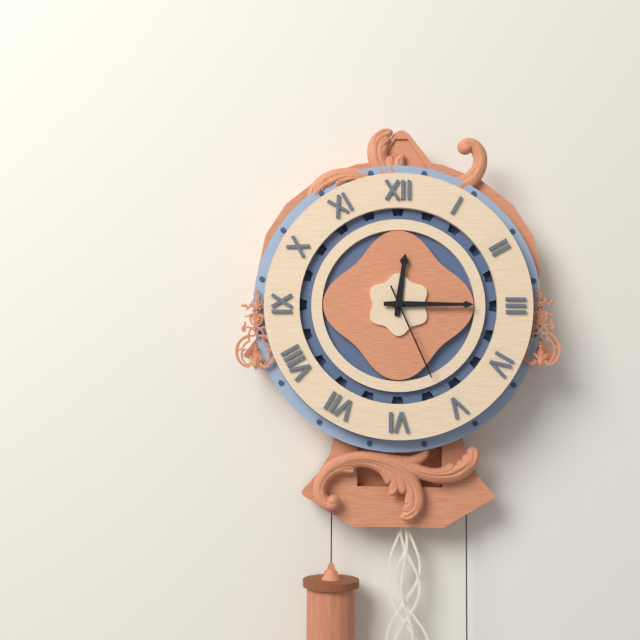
h=12 m=15 s=26
